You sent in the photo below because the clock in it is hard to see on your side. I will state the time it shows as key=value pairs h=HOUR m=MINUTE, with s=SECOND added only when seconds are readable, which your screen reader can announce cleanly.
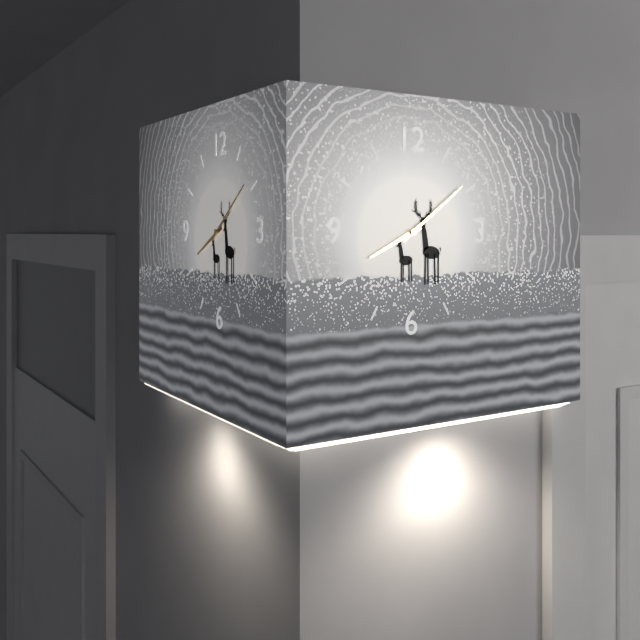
h=8 m=9
